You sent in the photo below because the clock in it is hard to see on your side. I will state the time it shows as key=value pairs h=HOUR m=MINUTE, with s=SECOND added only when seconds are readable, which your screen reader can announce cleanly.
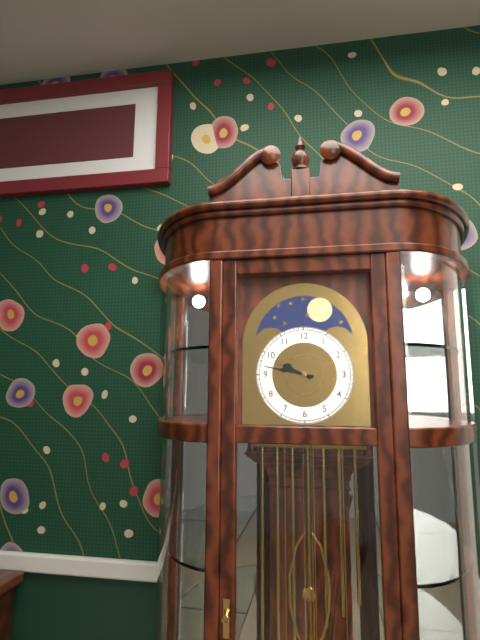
h=9 m=47
